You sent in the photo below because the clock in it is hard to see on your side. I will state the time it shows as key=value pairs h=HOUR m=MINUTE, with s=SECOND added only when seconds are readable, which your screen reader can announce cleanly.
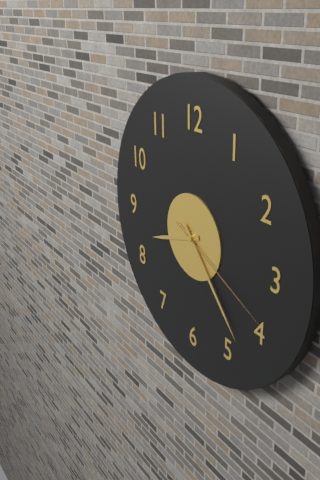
h=8 m=23 s=19
